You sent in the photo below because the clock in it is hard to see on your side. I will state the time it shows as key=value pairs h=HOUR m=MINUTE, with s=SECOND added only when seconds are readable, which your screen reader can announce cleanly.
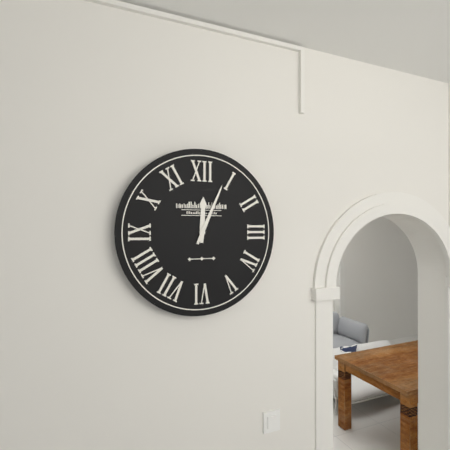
h=12 m=4
